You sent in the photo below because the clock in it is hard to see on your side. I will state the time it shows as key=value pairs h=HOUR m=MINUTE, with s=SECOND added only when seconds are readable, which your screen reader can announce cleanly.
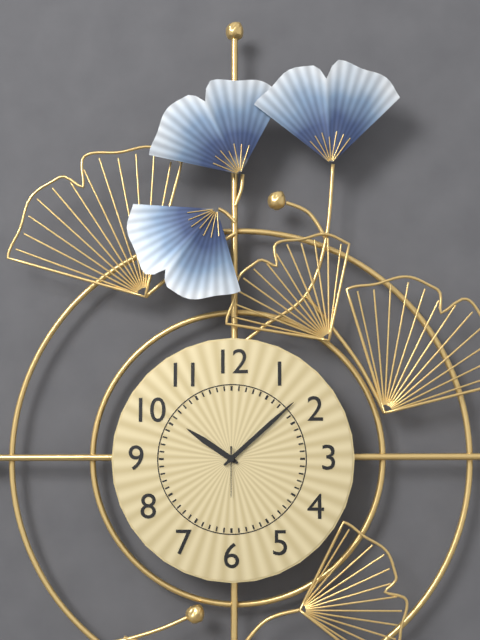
h=10 m=8
